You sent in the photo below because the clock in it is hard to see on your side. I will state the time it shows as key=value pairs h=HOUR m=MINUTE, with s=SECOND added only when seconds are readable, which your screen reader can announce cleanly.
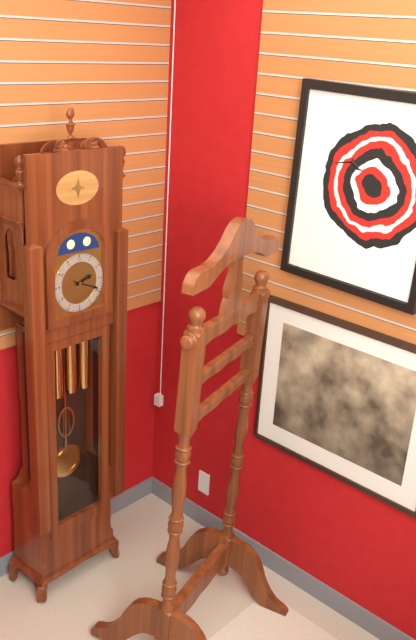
h=2 m=19
